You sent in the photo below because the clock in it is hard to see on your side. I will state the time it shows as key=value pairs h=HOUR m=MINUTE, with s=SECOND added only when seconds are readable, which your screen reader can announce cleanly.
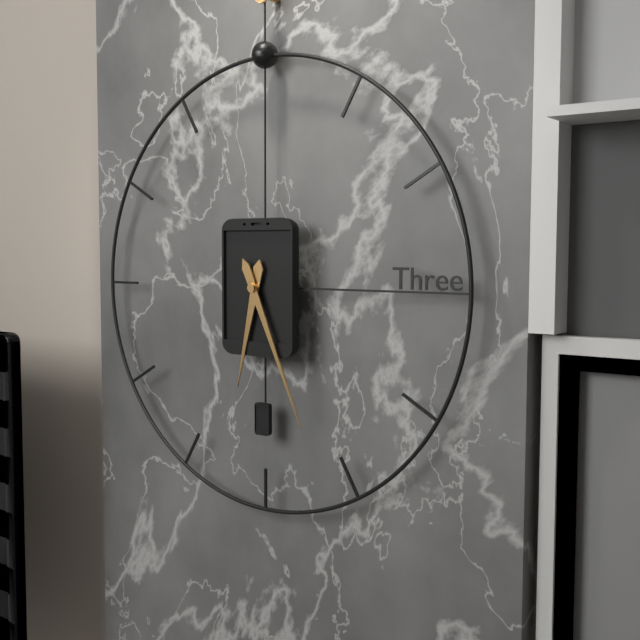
h=6 m=26
